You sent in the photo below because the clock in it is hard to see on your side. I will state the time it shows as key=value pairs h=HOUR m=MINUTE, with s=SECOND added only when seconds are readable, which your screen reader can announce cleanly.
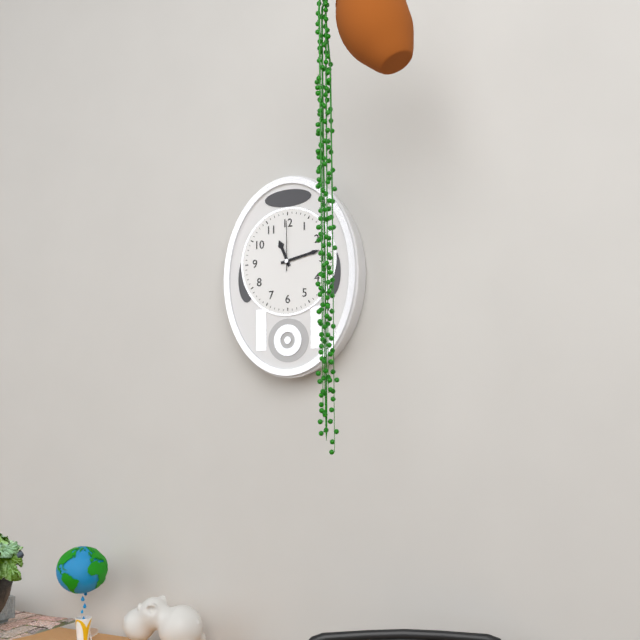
h=11 m=13 s=0
